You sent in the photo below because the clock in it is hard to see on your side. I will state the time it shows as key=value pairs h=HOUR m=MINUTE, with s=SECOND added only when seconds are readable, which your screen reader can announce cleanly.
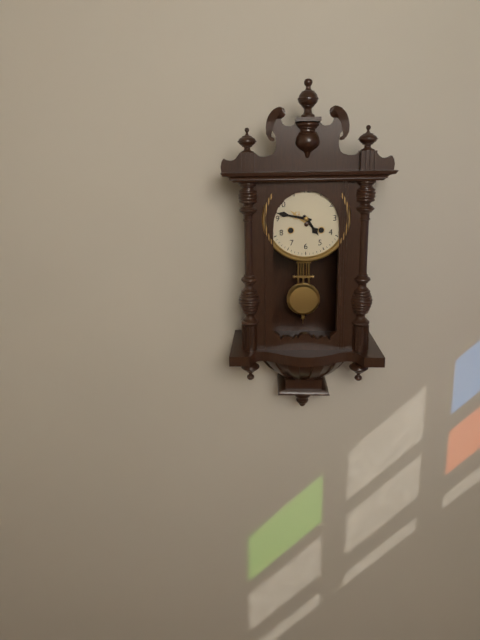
h=4 m=47
